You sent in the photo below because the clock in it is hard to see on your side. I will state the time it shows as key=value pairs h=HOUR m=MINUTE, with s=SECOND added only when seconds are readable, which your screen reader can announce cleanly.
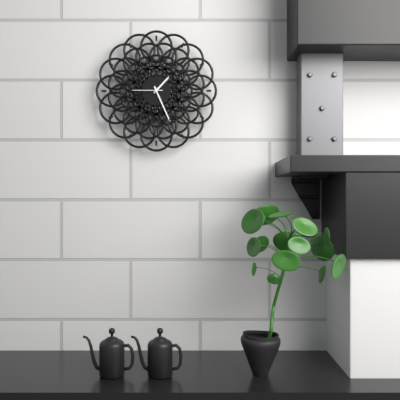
h=1 m=26
